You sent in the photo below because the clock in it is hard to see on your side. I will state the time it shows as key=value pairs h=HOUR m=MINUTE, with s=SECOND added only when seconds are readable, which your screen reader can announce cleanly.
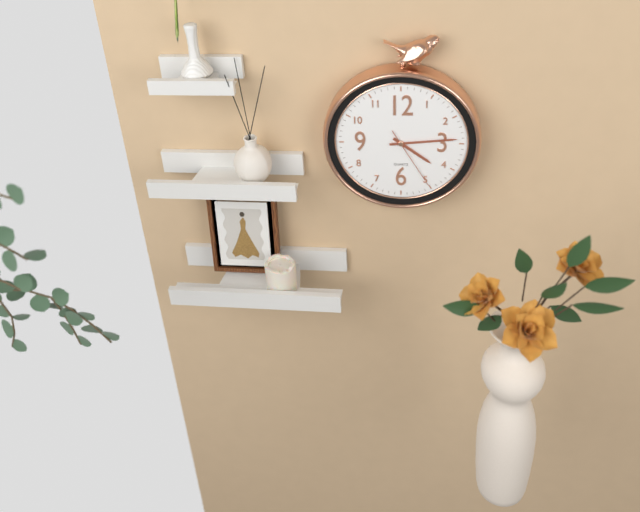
h=4 m=14 s=25
